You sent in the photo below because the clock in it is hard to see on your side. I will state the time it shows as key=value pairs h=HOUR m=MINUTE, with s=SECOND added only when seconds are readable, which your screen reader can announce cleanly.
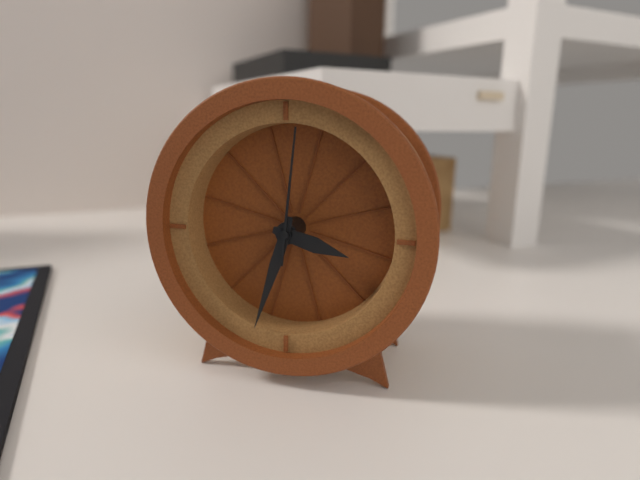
h=3 m=33 s=1
